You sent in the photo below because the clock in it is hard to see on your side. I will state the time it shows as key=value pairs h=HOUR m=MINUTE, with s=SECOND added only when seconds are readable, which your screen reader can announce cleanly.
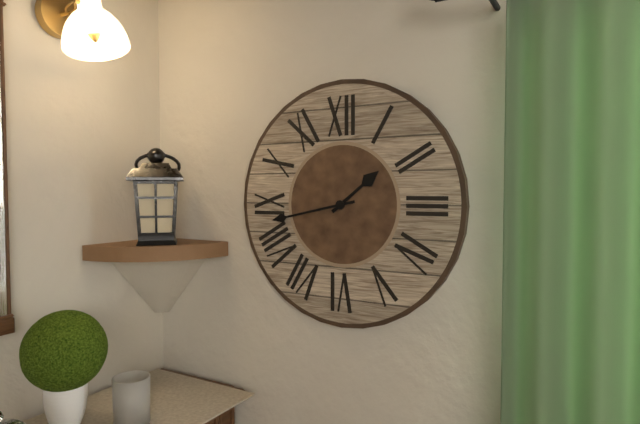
h=1 m=43
